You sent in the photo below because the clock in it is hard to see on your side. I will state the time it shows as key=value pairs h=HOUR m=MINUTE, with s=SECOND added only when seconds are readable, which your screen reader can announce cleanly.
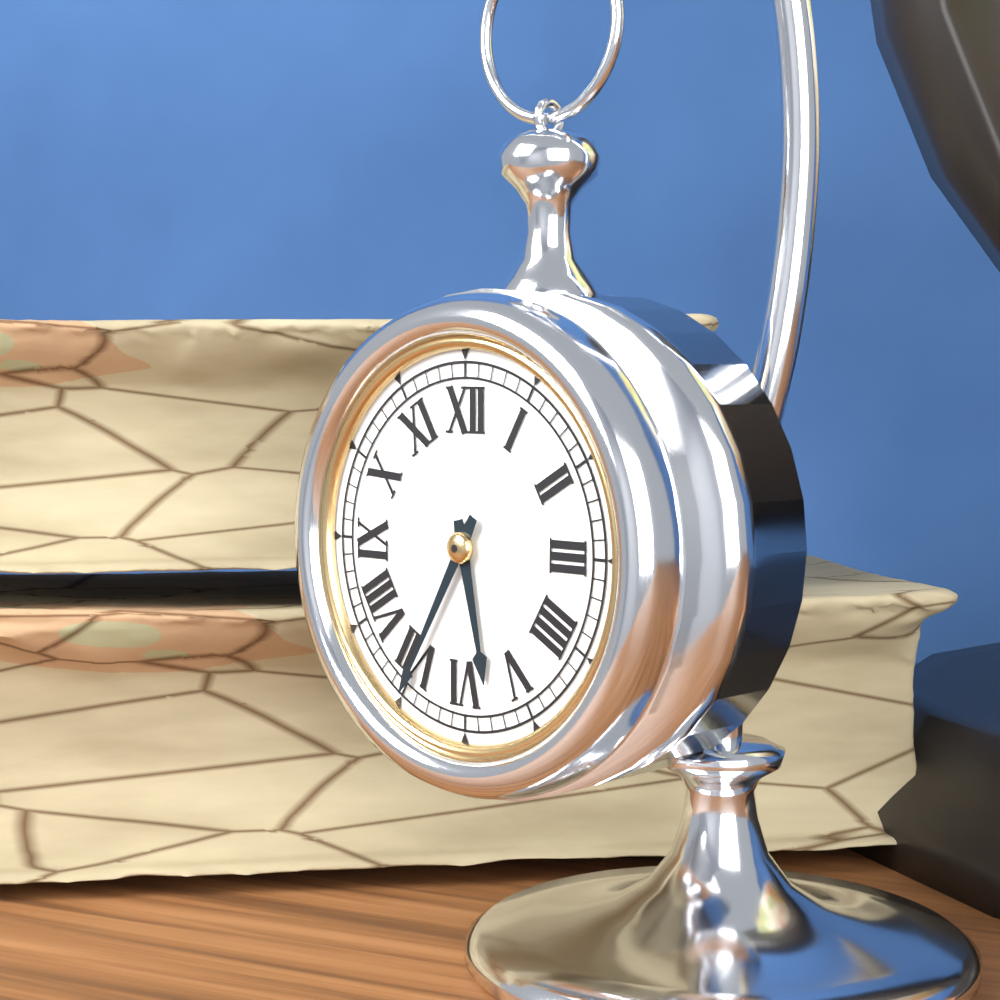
h=5 m=35
